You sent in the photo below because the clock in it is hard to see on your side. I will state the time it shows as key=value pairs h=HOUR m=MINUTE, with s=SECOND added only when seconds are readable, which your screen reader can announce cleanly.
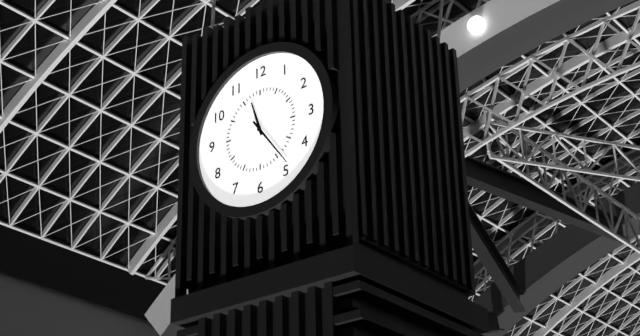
h=11 m=24
